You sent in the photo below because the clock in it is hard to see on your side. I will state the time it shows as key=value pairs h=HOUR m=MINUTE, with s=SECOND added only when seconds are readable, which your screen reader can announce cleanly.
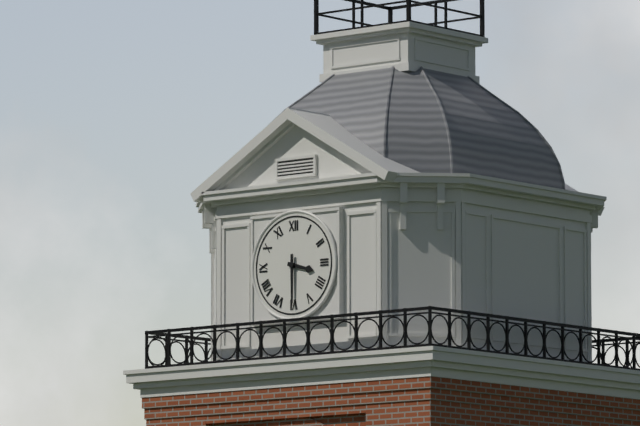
h=3 m=30
